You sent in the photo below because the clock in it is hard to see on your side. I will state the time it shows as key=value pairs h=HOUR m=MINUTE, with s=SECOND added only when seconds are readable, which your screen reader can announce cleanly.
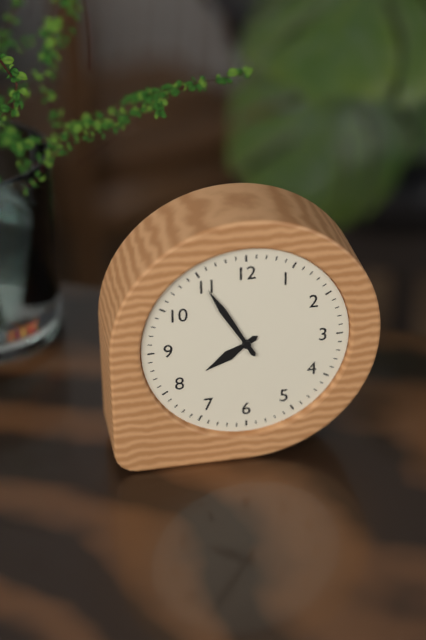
h=7 m=55
